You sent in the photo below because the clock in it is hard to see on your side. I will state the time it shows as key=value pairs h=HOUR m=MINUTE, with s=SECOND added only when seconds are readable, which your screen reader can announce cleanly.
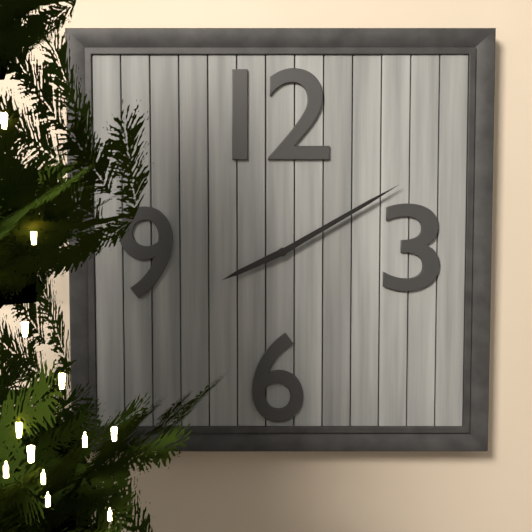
h=8 m=10
